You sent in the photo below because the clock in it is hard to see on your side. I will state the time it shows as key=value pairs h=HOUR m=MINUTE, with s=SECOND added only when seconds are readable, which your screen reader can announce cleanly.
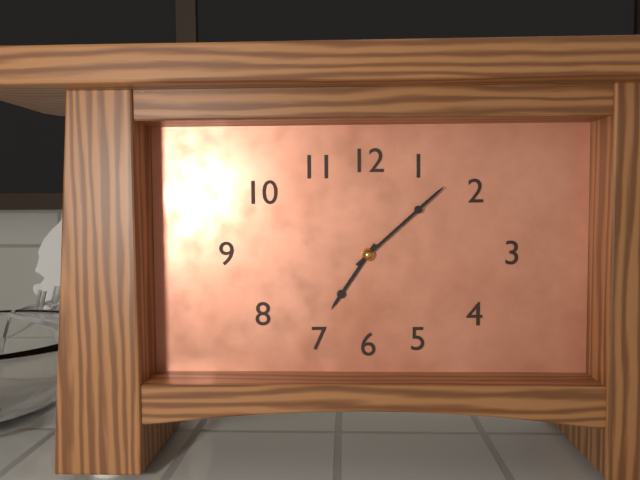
h=7 m=8
